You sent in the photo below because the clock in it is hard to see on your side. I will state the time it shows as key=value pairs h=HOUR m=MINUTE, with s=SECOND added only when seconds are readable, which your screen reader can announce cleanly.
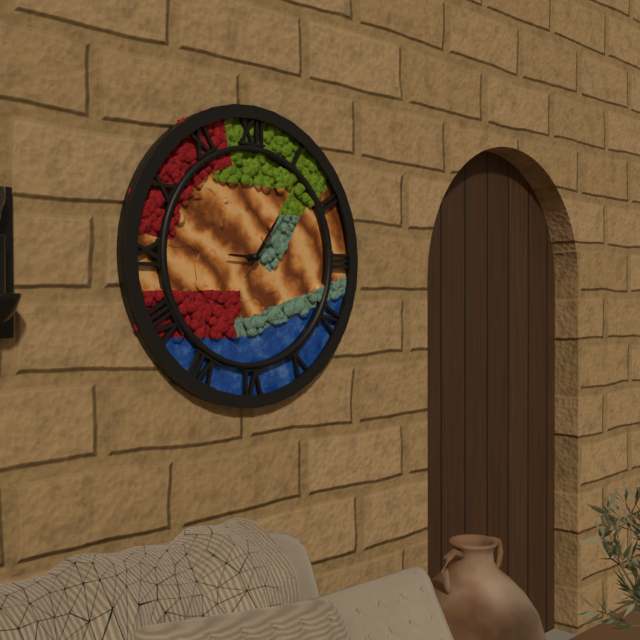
h=9 m=6 s=7
